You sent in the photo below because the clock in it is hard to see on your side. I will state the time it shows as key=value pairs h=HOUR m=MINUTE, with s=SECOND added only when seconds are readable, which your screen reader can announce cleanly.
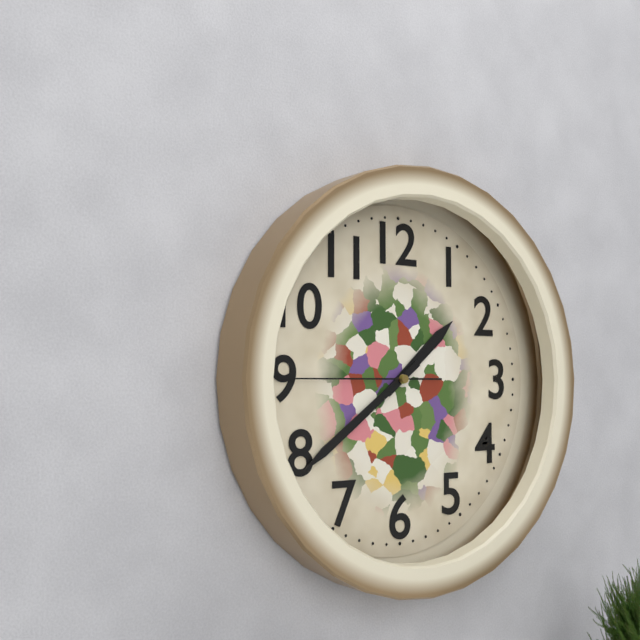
h=1 m=39 s=45
